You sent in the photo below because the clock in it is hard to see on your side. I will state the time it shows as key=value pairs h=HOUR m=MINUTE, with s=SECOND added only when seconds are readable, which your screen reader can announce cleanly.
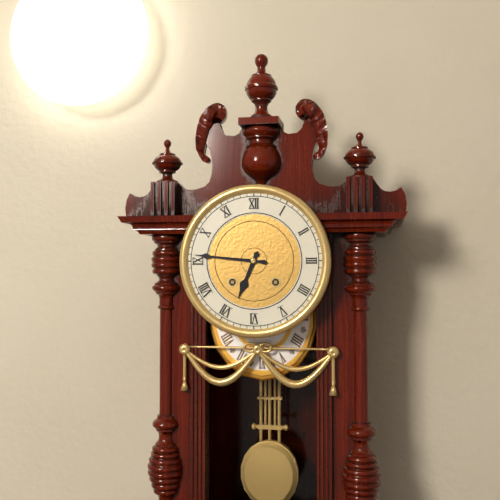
h=6 m=46
